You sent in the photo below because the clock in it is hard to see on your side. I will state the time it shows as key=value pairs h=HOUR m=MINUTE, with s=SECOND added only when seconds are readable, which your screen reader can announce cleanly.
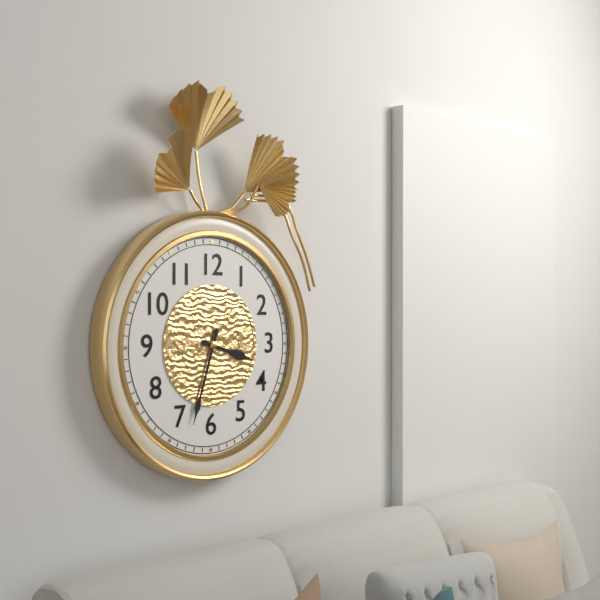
h=3 m=33
